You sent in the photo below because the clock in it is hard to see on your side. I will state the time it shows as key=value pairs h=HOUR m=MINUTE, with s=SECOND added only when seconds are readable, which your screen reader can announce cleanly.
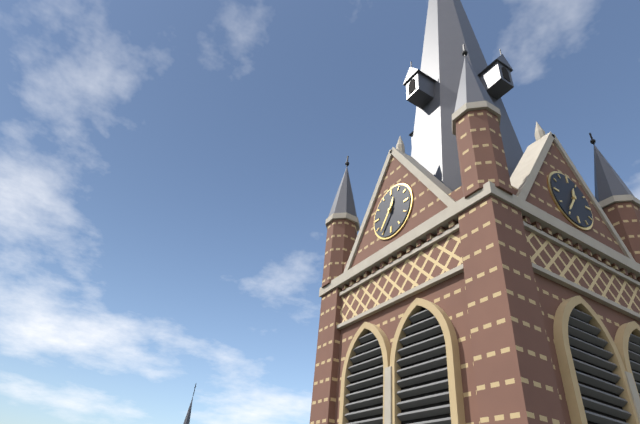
h=12 m=36
